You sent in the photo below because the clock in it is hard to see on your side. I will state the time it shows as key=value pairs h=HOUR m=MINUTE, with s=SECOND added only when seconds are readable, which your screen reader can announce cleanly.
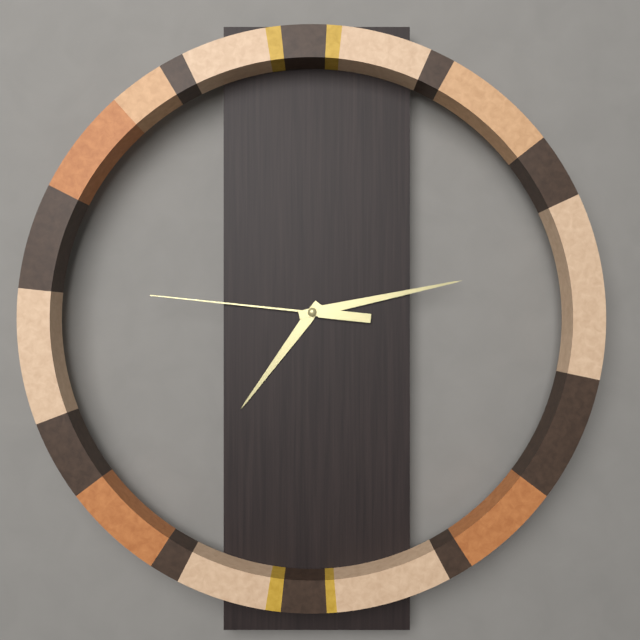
h=7 m=13 s=46
